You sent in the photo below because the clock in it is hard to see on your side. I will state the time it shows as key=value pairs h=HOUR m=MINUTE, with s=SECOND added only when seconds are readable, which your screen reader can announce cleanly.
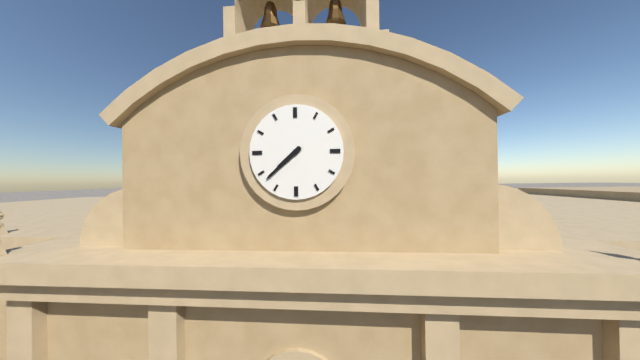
h=7 m=38
